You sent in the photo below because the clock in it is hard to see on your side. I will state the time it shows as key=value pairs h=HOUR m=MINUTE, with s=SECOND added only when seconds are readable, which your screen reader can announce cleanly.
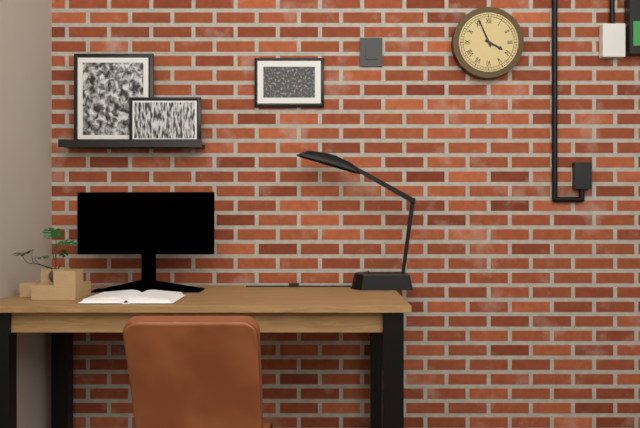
h=3 m=56
